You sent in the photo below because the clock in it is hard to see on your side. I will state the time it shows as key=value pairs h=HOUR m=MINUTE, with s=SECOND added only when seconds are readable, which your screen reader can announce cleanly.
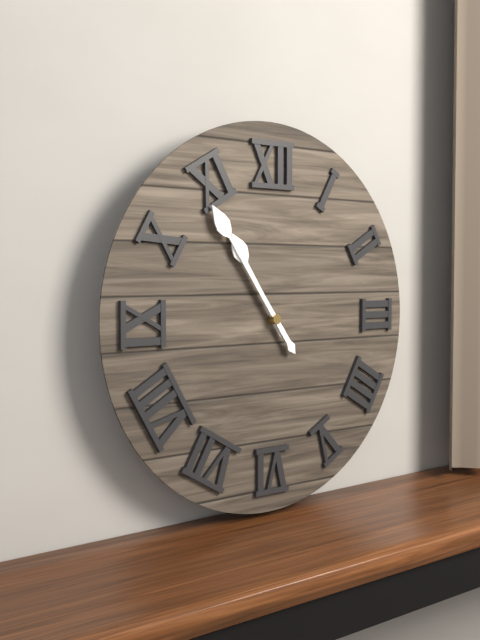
h=10 m=54
